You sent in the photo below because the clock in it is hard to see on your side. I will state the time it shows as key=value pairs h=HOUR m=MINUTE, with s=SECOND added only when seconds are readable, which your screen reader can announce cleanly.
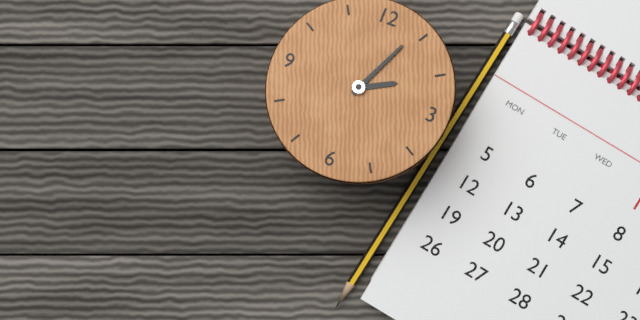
h=2 m=4
